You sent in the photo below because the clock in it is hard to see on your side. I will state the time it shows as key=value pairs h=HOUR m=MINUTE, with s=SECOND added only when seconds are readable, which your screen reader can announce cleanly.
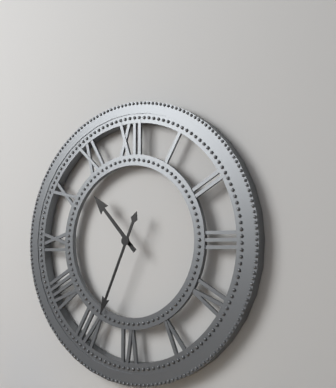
h=10 m=34
